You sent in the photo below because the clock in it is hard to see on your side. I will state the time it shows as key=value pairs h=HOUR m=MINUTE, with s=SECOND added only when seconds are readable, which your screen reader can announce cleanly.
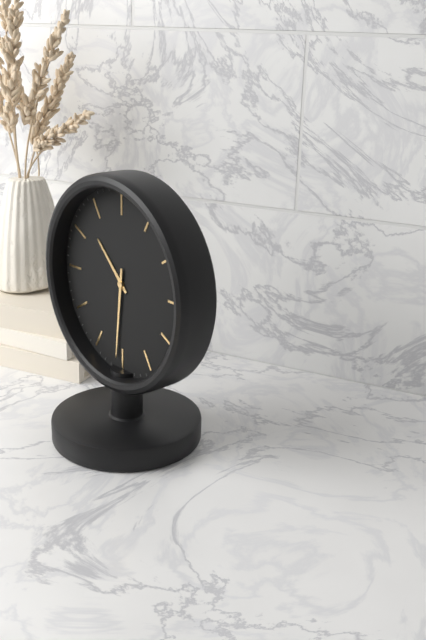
h=10 m=31
